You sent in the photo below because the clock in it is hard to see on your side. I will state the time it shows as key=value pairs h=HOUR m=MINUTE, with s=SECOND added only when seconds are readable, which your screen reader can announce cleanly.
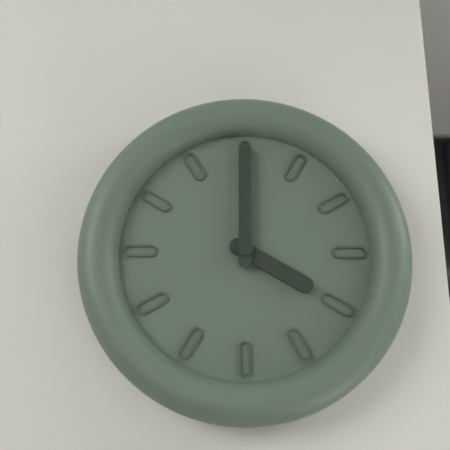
h=4 m=0
